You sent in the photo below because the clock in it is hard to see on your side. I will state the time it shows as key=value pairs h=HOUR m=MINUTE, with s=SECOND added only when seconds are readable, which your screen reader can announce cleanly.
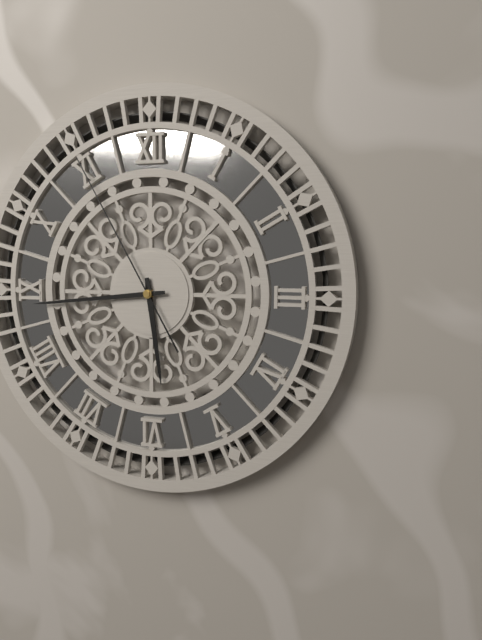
h=5 m=44 s=55
